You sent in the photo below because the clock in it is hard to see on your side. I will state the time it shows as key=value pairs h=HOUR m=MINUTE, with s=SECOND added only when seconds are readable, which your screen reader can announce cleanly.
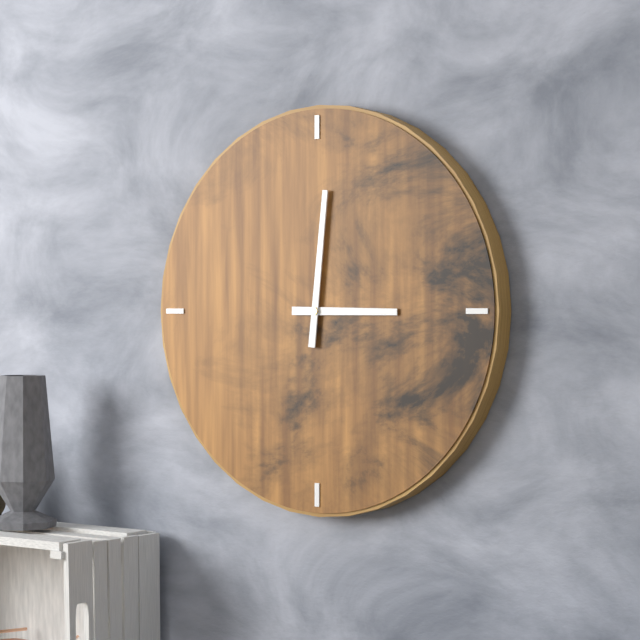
h=3 m=1
